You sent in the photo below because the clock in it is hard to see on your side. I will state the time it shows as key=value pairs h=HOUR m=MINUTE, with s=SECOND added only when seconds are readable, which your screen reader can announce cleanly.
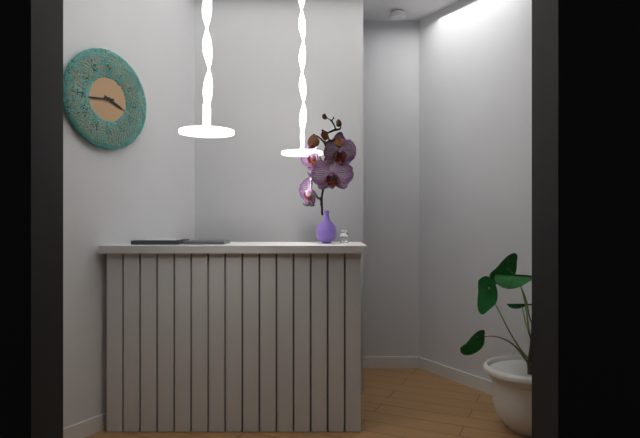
h=3 m=44
